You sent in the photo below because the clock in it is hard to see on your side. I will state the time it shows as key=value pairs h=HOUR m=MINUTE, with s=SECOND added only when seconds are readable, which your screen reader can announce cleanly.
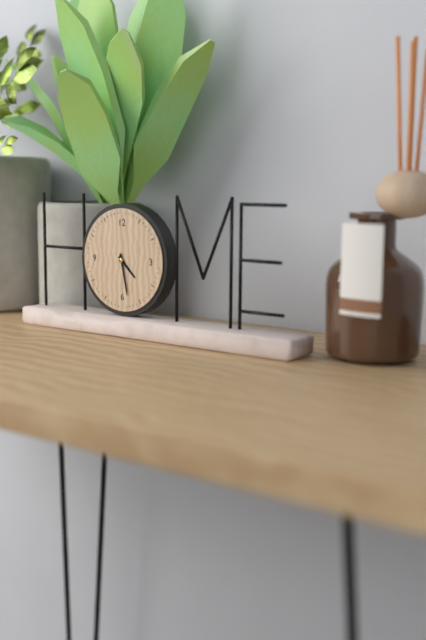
h=4 m=28
